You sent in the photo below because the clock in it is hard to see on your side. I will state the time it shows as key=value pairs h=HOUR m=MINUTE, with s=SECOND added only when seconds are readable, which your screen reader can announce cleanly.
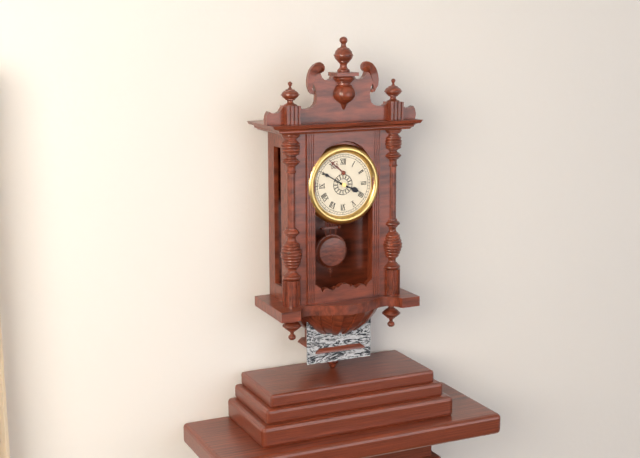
h=3 m=50
